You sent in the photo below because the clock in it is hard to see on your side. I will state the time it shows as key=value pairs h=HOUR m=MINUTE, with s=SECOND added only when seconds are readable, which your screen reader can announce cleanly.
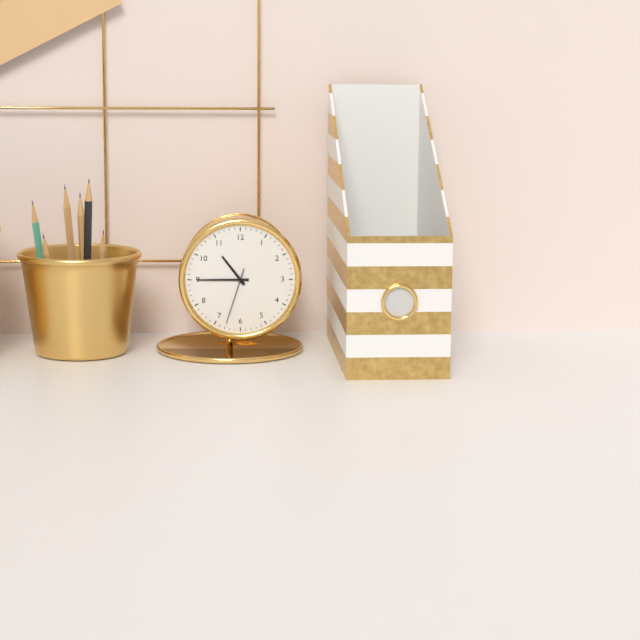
h=10 m=45 s=33
